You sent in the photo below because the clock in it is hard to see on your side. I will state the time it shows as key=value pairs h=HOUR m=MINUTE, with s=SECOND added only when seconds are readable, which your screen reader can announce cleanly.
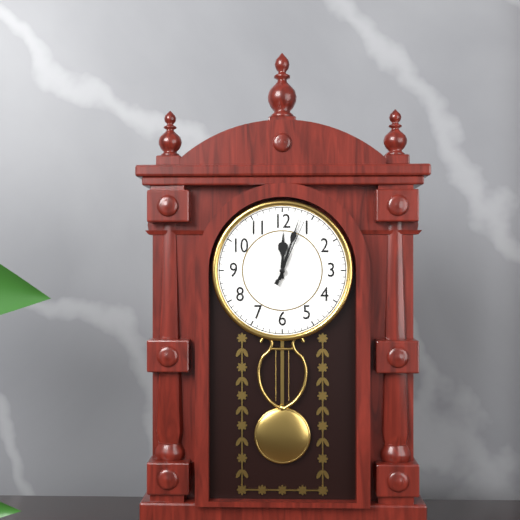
h=12 m=3 s=4
